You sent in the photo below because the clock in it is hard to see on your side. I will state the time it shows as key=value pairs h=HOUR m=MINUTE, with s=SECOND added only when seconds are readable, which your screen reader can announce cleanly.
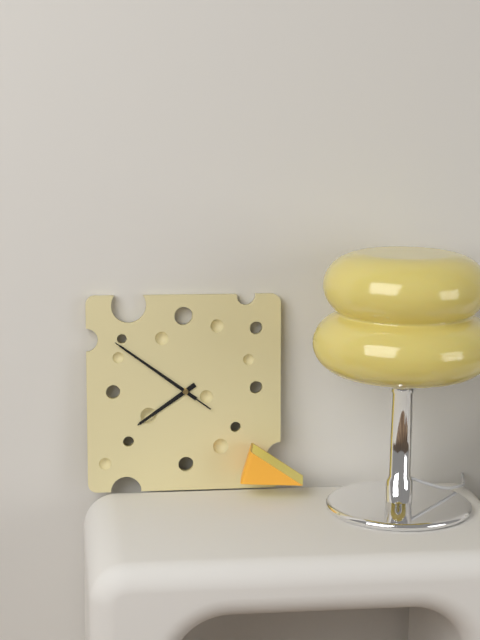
h=7 m=51 s=51
